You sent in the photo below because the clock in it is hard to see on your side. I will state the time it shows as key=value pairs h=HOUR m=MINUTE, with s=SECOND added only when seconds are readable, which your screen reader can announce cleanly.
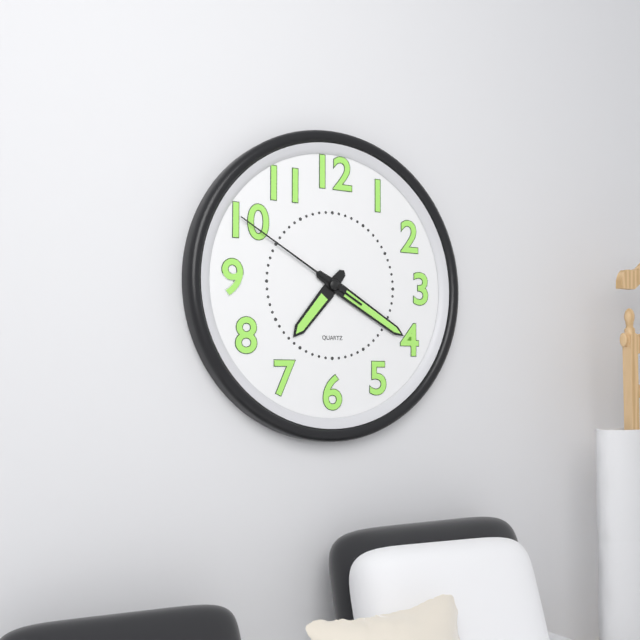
h=7 m=20 s=50
